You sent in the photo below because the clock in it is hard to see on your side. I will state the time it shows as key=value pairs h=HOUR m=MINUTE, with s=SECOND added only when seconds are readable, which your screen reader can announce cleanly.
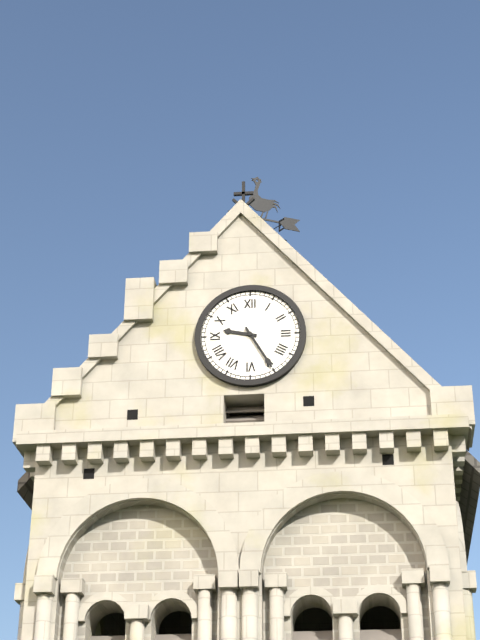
h=9 m=25
